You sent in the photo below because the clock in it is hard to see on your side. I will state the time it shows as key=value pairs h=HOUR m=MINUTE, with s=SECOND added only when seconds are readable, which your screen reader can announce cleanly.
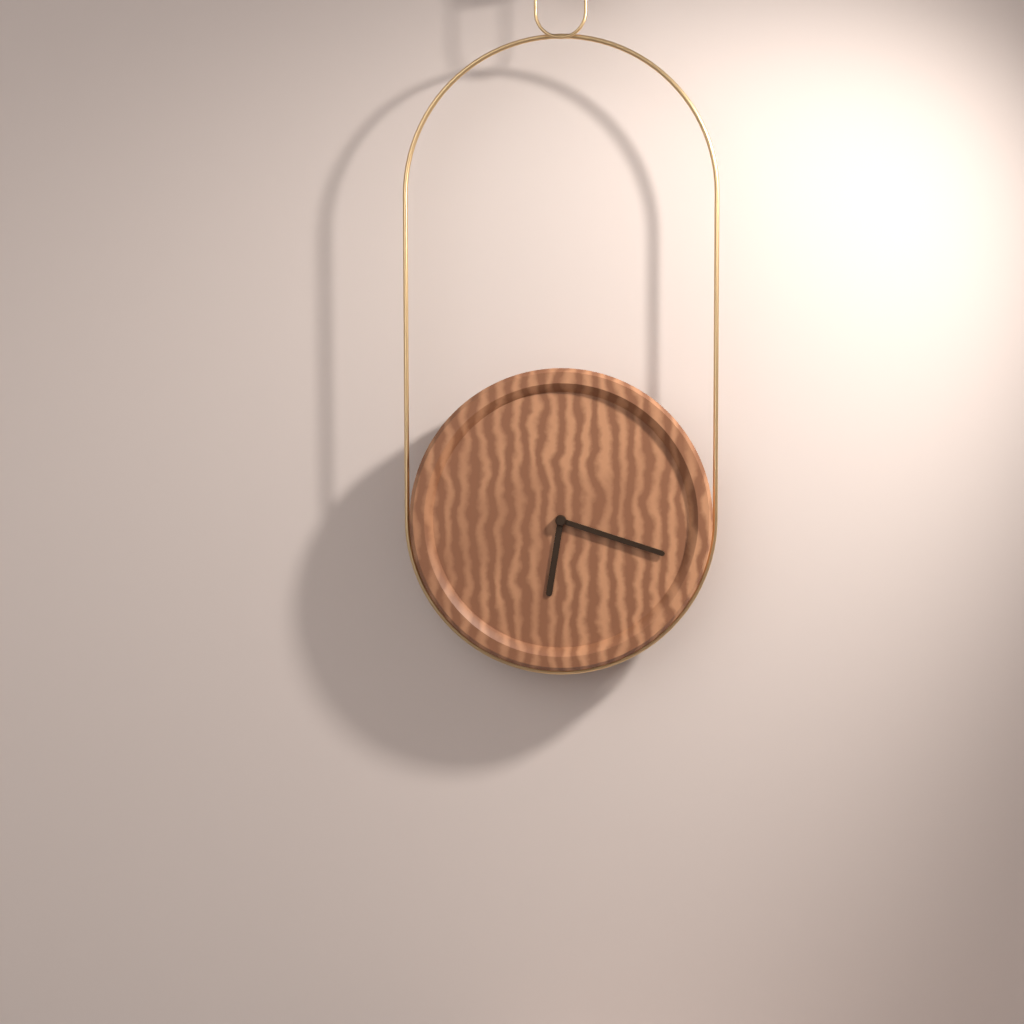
h=6 m=18
